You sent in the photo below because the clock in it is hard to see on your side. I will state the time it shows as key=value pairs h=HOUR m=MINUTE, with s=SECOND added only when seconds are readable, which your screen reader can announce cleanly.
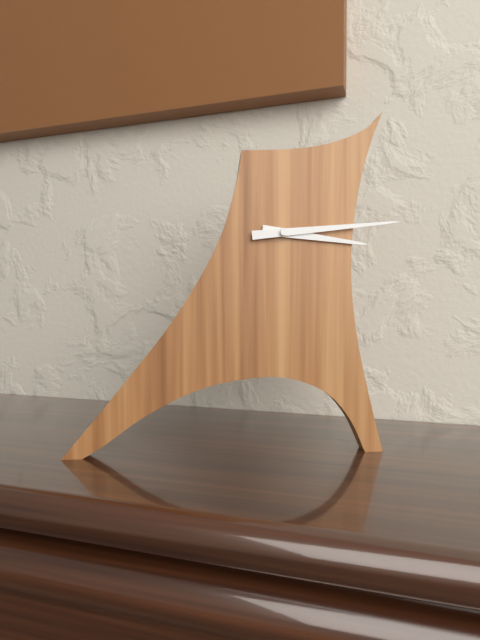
h=3 m=14
